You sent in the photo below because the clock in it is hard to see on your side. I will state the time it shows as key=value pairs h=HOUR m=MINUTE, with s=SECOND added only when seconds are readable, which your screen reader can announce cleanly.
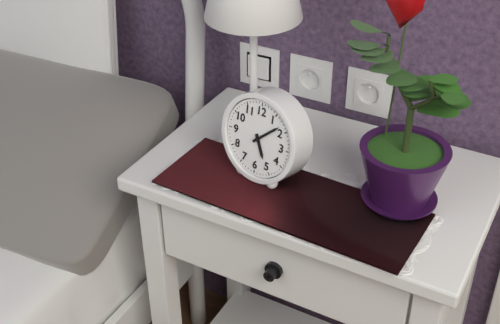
h=5 m=8
